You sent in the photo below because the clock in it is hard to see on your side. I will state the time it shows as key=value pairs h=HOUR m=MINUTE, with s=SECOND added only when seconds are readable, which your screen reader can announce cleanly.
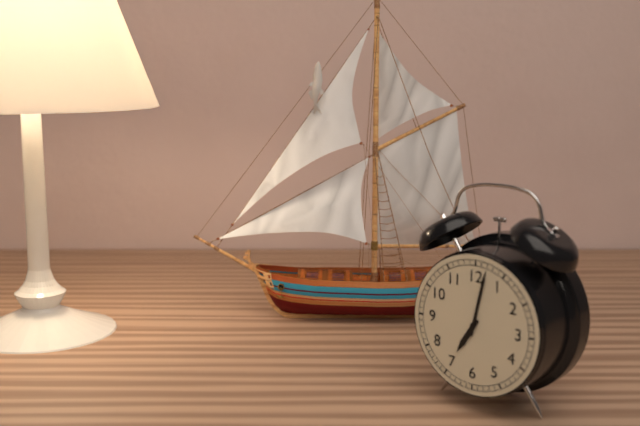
h=7 m=2
